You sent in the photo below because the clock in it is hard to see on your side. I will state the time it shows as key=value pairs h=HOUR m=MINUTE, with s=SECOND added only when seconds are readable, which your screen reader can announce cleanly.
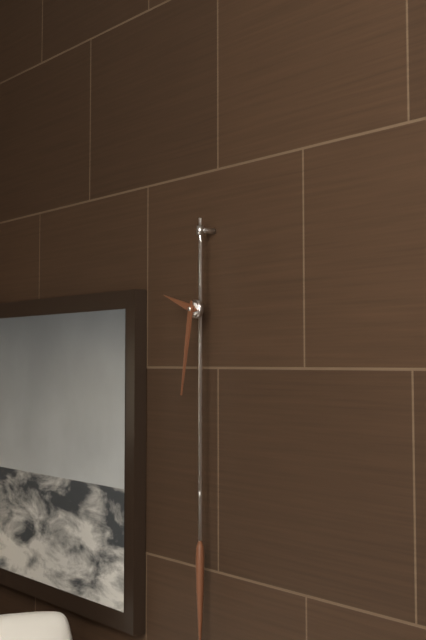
h=9 m=32
